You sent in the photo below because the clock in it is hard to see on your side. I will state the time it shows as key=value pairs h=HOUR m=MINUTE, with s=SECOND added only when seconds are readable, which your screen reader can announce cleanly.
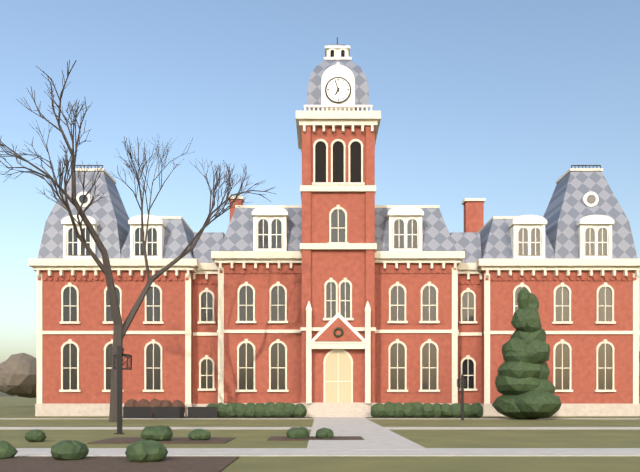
h=6 m=57
